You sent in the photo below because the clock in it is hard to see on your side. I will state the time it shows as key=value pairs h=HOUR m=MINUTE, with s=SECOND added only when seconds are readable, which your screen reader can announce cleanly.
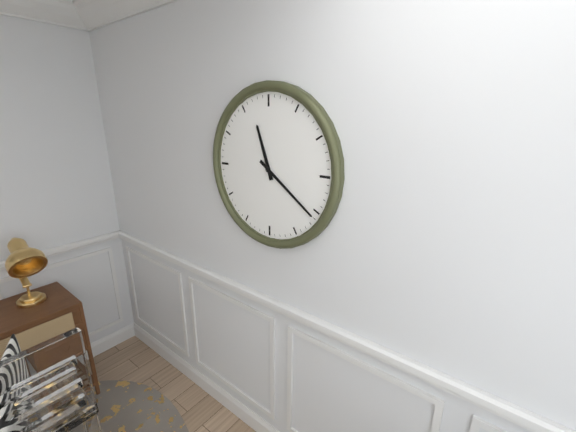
h=11 m=21
